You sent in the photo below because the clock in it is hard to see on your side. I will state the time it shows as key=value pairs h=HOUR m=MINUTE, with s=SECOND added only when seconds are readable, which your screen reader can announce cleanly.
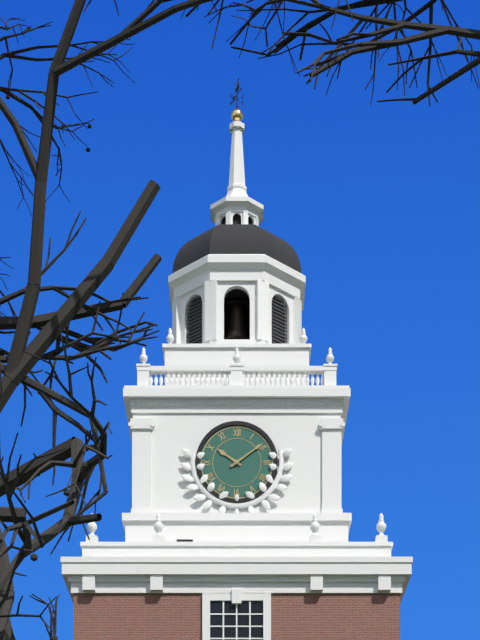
h=10 m=9
